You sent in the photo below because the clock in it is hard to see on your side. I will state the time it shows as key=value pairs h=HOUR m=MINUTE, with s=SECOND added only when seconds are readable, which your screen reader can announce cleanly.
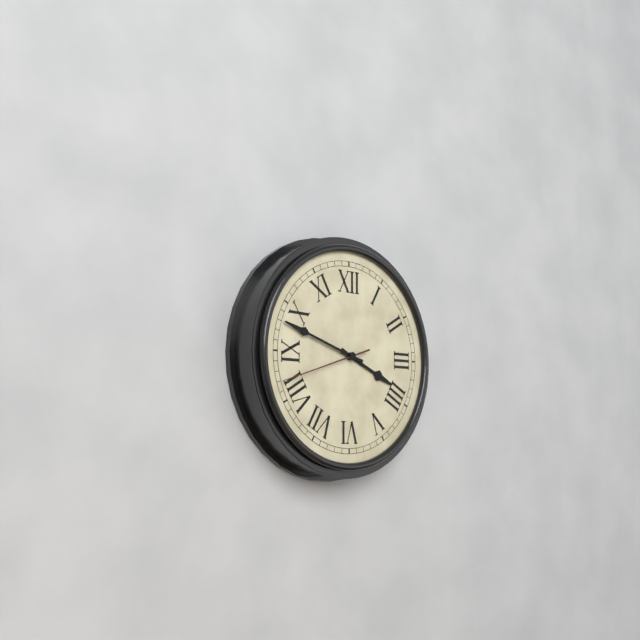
h=3 m=48 s=42
